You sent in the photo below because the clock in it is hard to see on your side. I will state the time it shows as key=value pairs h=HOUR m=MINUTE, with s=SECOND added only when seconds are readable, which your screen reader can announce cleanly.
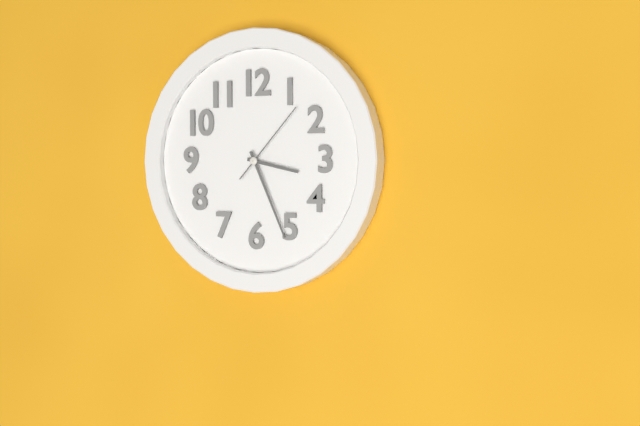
h=3 m=26 s=7
